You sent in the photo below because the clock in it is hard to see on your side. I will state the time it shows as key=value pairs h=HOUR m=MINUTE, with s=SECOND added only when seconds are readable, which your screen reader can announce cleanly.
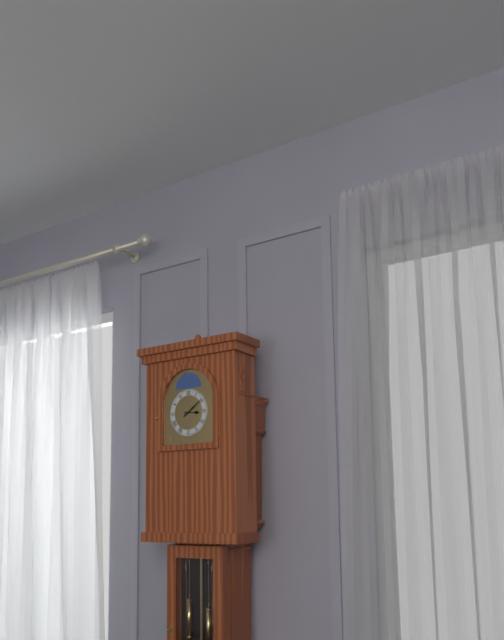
h=3 m=9
